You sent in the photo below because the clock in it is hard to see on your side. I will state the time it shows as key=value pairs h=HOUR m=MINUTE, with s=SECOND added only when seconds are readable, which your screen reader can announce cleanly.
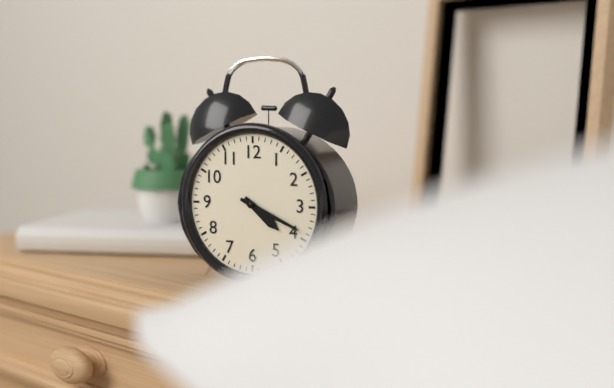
h=4 m=19
